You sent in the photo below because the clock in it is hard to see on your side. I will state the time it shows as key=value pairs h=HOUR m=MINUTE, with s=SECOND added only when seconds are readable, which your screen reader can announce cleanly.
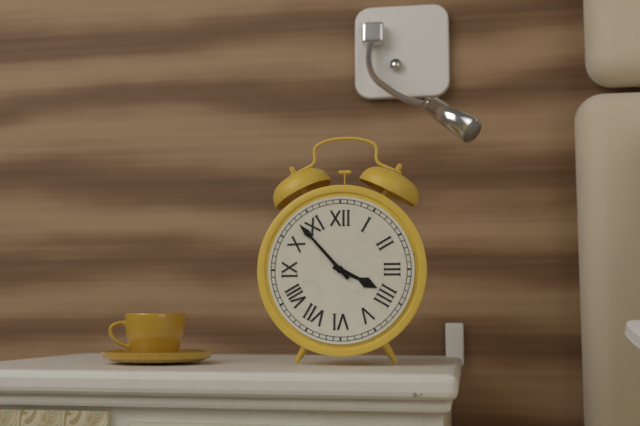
h=3 m=53
